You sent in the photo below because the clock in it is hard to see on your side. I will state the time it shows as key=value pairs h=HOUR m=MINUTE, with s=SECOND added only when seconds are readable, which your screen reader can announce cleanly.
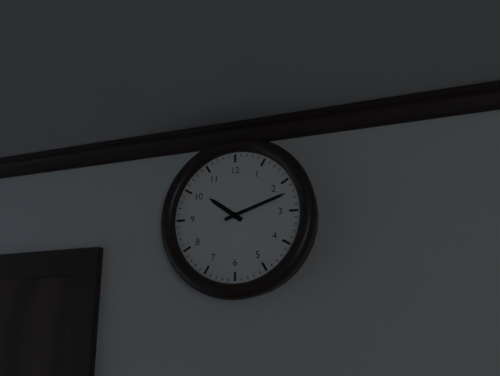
h=10 m=12
